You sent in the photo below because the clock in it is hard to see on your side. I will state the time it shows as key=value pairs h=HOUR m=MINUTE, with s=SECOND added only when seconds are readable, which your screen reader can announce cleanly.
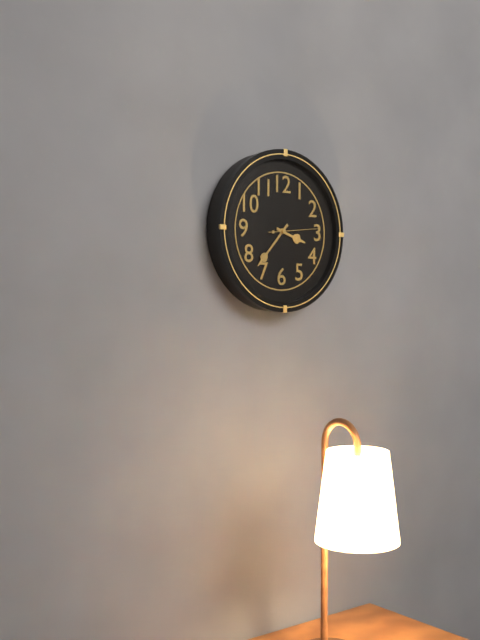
h=3 m=37 s=14
